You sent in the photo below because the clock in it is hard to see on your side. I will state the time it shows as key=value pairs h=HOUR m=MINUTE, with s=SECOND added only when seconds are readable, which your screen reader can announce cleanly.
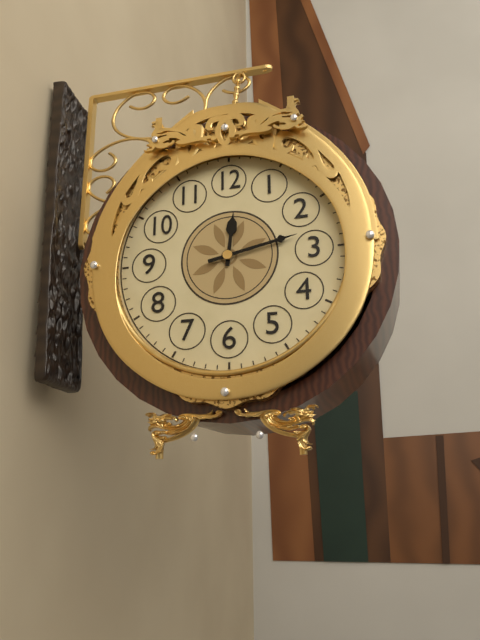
h=12 m=13
